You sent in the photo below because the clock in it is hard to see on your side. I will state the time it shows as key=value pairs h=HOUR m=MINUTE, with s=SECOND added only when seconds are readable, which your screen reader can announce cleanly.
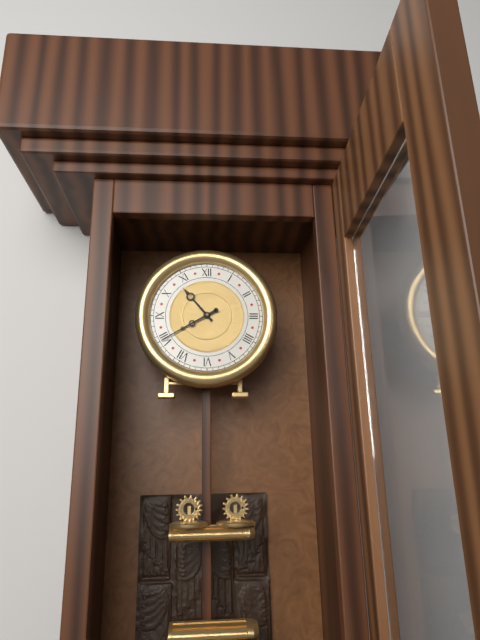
h=10 m=40
